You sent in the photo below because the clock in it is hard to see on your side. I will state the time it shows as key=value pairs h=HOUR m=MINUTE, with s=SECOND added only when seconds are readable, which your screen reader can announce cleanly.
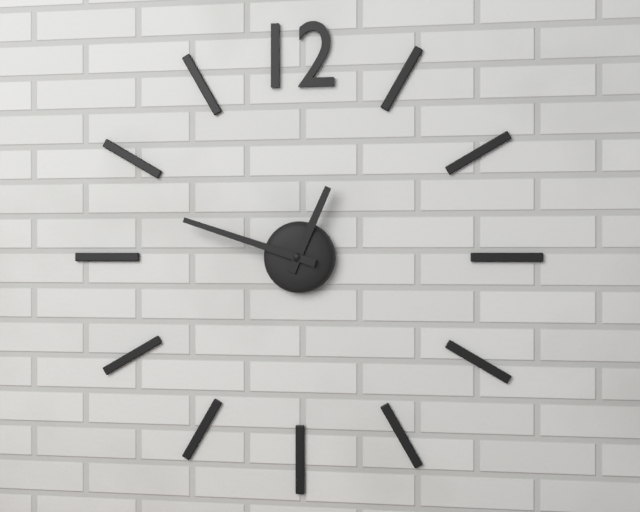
h=12 m=48
